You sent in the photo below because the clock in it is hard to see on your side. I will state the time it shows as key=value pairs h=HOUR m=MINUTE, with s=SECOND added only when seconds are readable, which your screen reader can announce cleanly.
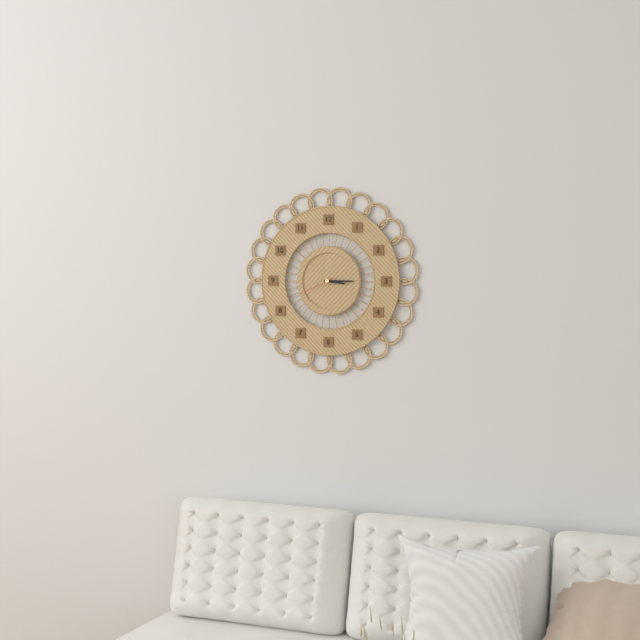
h=3 m=15
